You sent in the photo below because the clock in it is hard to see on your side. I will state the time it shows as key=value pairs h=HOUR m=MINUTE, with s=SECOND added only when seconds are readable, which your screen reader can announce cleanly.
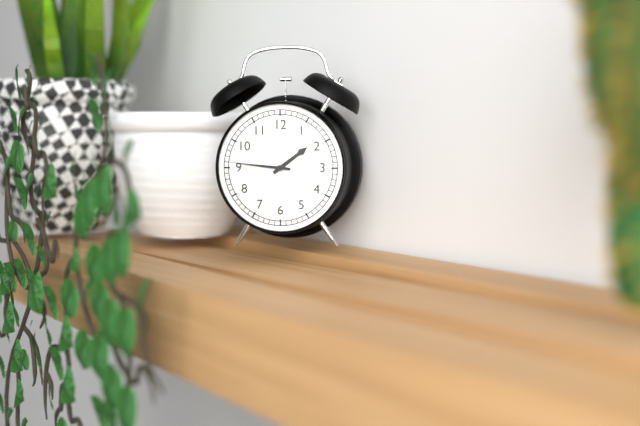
h=1 m=46
